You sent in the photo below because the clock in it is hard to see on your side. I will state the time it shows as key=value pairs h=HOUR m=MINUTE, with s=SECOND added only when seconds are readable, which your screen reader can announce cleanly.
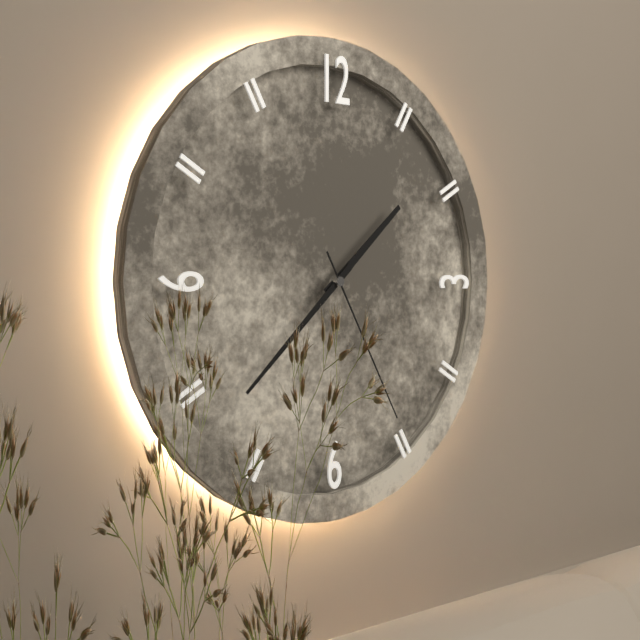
h=1 m=38 s=25
